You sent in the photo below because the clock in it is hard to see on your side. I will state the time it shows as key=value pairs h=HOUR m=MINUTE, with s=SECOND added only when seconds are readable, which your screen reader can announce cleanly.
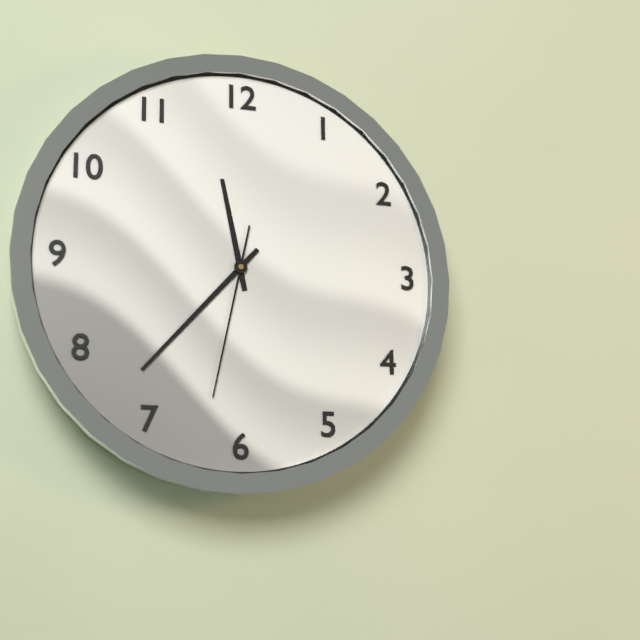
h=11 m=37 s=32
